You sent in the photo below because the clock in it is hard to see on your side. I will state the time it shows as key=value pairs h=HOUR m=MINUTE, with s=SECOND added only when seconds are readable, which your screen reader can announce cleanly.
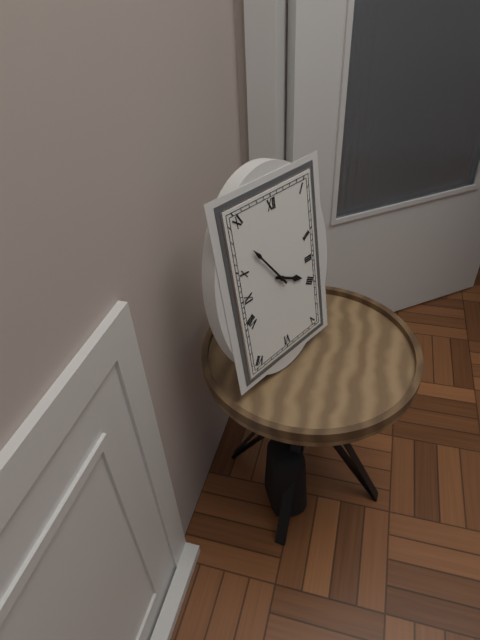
h=3 m=54
